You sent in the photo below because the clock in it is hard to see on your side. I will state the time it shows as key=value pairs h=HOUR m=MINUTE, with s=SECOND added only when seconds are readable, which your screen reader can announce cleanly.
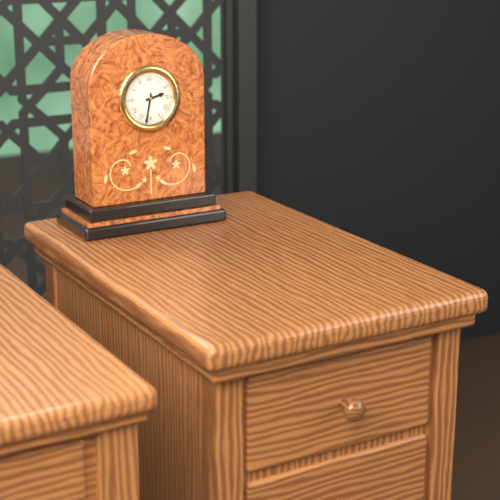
h=2 m=32
